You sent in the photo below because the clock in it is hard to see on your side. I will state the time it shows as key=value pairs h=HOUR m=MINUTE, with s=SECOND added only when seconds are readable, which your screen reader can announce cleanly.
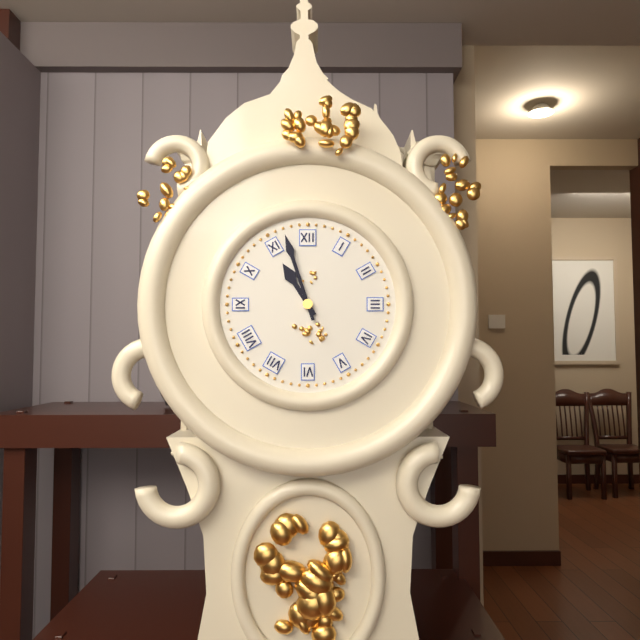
h=10 m=57
